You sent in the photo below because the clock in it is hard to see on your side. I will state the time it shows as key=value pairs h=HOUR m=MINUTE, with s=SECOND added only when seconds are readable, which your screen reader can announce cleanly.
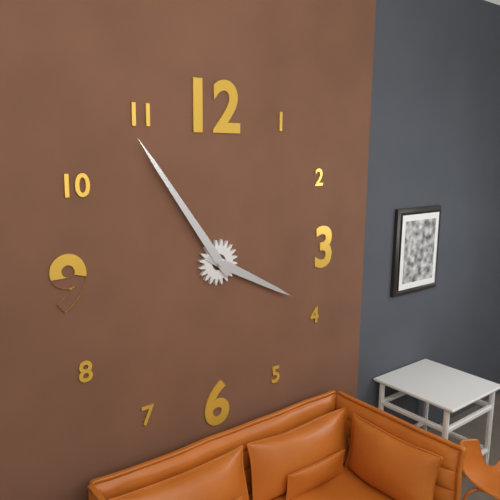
h=3 m=54
